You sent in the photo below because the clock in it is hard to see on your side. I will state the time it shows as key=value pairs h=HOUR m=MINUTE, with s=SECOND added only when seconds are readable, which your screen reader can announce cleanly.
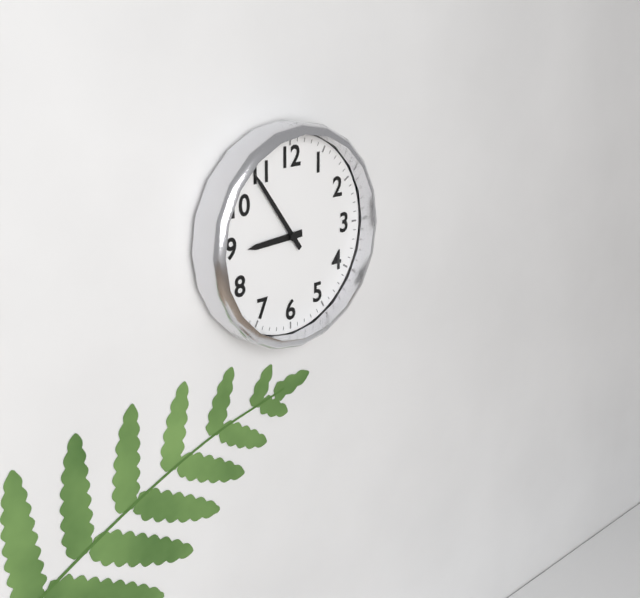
h=8 m=54
